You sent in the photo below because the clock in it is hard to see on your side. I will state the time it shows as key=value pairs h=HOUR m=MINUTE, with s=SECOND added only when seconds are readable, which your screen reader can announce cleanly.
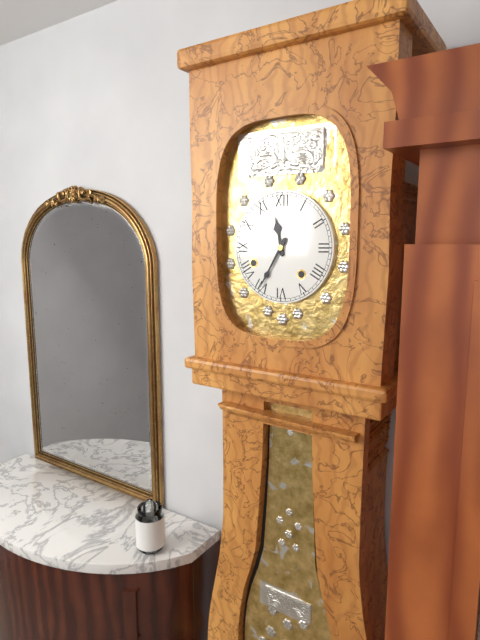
h=11 m=35
